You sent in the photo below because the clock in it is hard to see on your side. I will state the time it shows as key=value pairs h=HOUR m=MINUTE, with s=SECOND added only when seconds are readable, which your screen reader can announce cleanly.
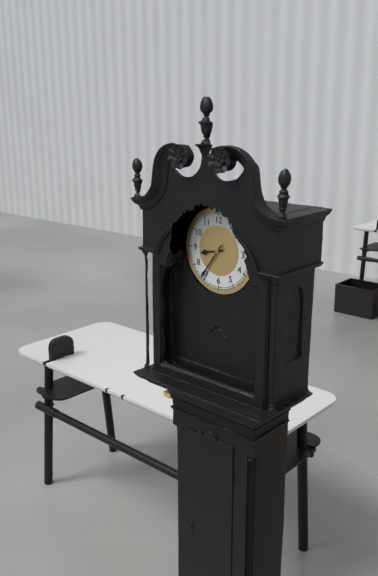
h=8 m=36
